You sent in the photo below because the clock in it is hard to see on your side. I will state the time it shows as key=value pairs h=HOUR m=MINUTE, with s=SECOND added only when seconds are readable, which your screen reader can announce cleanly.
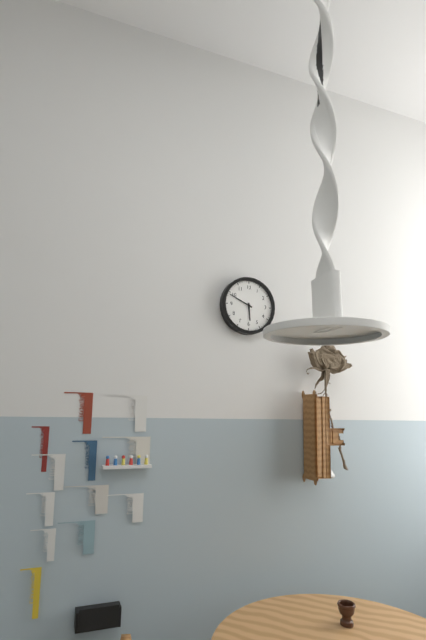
h=5 m=49
